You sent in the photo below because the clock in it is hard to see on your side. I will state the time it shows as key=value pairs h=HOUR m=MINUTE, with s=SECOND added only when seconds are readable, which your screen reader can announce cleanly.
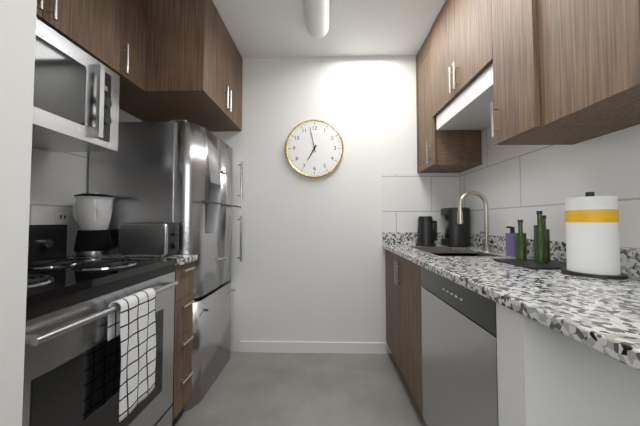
h=6 m=58
